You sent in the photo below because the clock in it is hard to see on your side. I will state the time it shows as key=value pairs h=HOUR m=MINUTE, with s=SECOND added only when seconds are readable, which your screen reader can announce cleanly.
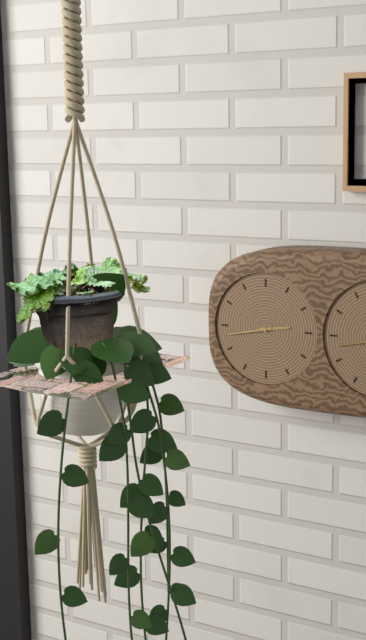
h=2 m=43
